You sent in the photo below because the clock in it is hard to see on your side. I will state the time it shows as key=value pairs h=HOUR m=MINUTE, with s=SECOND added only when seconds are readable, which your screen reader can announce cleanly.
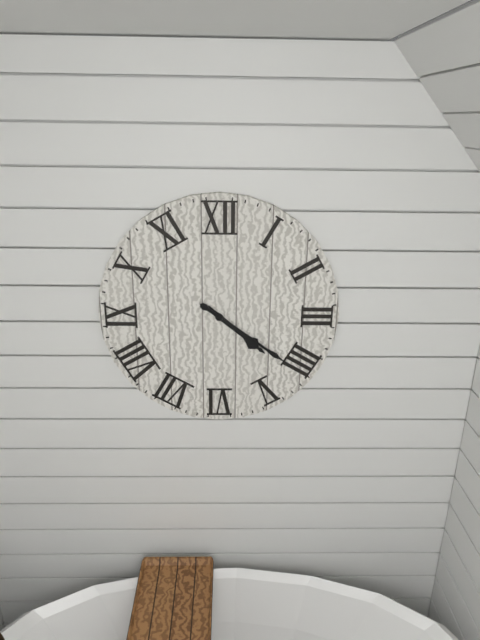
h=4 m=21
